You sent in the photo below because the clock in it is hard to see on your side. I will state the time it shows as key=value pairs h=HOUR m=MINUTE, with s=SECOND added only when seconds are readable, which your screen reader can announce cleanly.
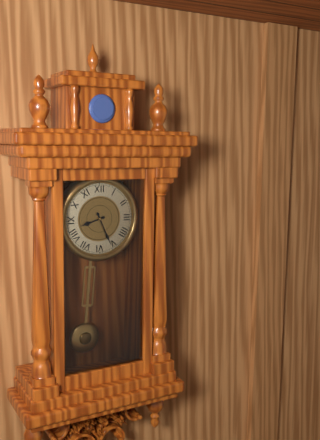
h=8 m=26
